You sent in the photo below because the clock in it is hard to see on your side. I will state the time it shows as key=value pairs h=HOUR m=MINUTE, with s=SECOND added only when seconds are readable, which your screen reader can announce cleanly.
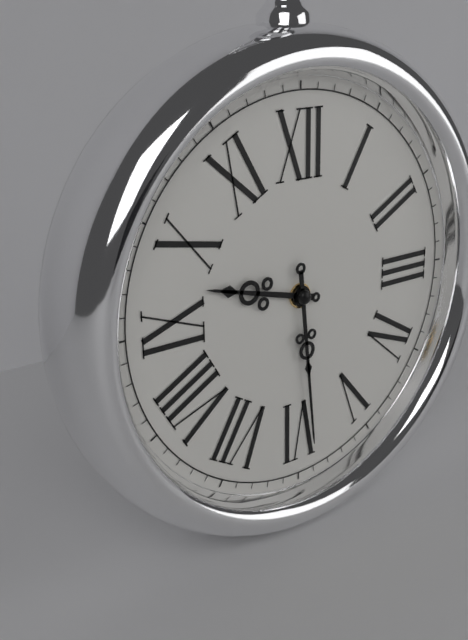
h=9 m=29
